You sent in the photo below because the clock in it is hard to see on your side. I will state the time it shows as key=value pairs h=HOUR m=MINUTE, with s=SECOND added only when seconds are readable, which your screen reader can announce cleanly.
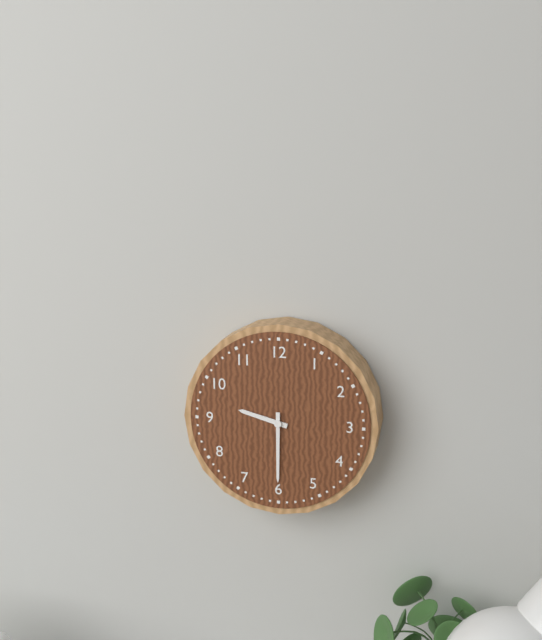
h=9 m=30
